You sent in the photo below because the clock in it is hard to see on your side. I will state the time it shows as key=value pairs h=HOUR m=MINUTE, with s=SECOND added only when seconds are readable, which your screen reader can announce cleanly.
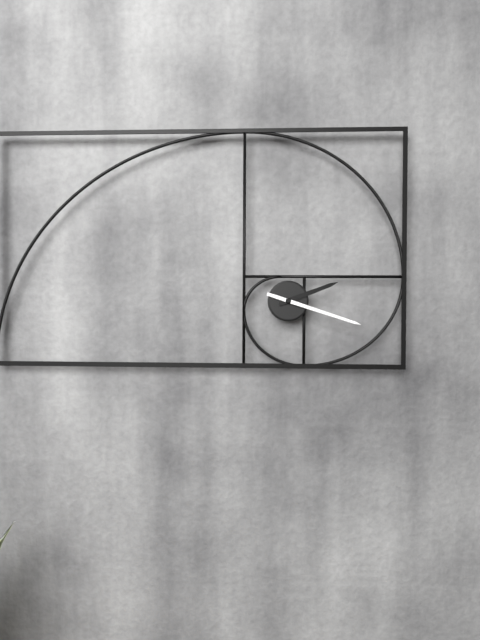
h=2 m=18
